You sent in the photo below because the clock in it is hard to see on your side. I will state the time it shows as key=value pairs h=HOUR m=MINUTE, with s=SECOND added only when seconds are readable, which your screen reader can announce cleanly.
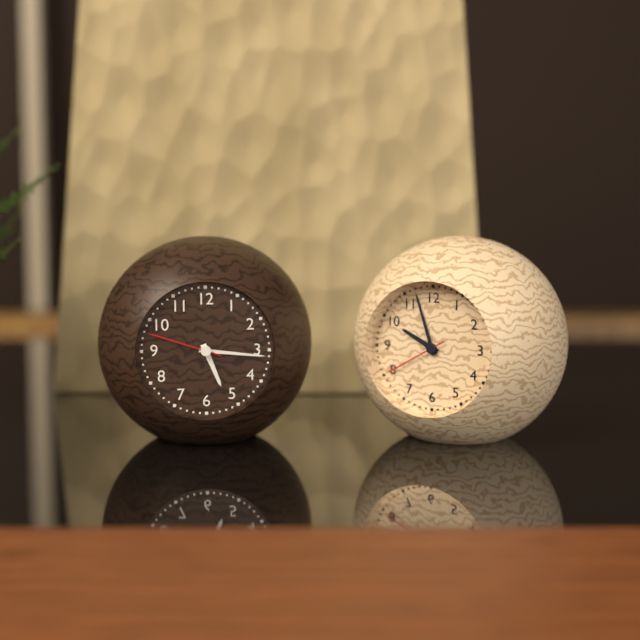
h=5 m=16 s=48
